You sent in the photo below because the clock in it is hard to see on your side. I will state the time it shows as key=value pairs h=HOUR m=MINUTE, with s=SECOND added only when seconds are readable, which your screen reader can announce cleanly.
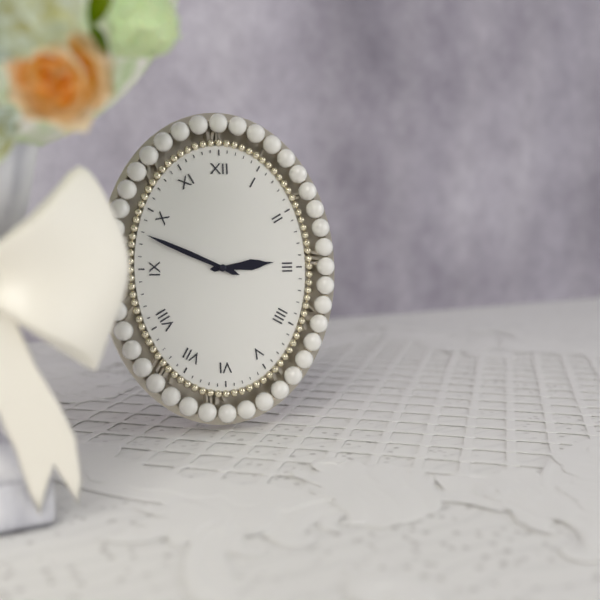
h=2 m=49
